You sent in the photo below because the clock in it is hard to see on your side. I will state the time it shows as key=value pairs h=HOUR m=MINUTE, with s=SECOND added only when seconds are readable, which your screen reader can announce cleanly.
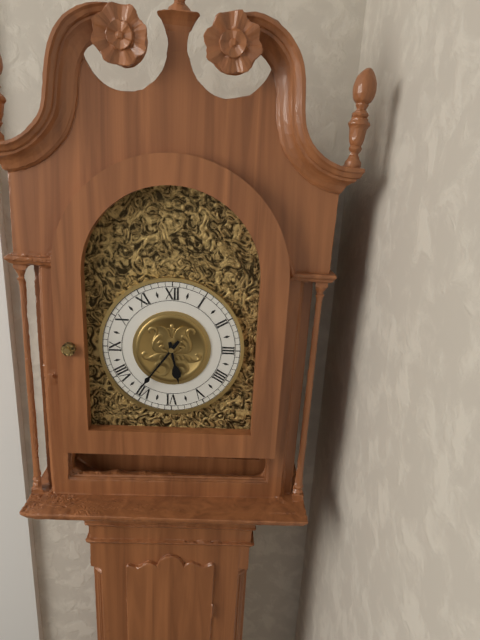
h=5 m=36
